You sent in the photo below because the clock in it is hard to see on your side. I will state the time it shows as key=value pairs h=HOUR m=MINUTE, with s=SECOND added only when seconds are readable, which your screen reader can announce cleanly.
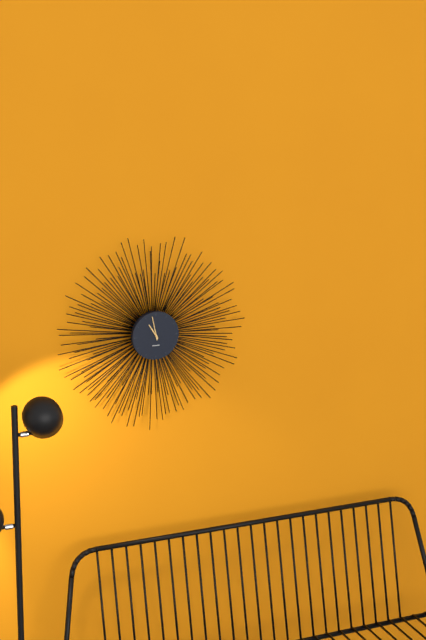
h=10 m=58
